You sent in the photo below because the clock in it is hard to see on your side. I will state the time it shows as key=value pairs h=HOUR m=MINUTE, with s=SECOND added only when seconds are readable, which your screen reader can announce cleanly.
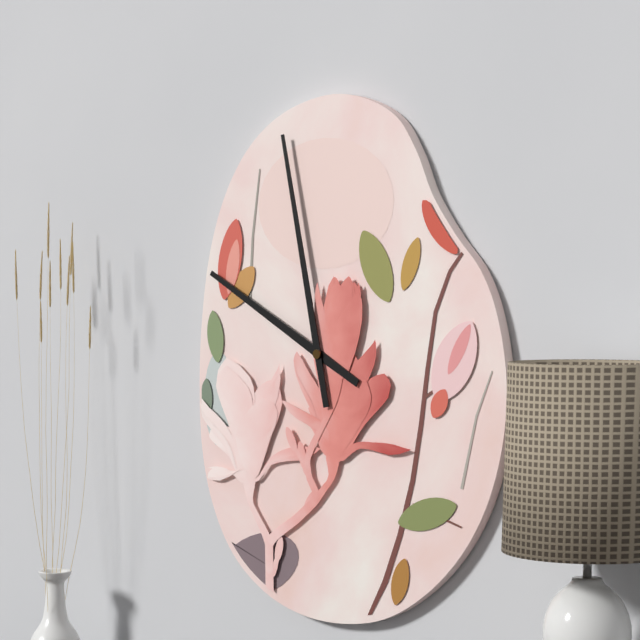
h=9 m=58
